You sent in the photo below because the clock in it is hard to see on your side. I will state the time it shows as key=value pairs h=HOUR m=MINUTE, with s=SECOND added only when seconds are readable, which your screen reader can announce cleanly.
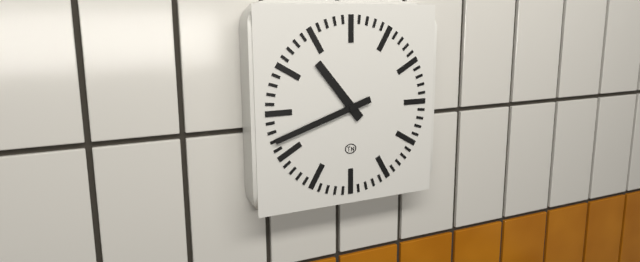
h=10 m=42
